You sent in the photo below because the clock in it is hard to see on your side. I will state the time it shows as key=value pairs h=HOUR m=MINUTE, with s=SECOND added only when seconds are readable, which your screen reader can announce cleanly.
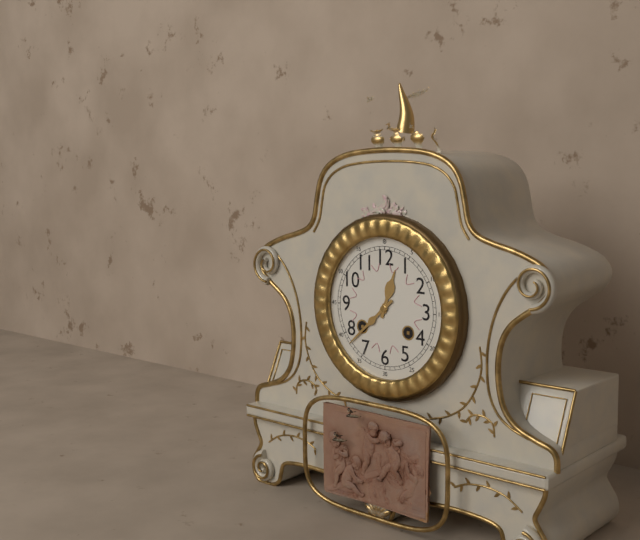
h=12 m=38
